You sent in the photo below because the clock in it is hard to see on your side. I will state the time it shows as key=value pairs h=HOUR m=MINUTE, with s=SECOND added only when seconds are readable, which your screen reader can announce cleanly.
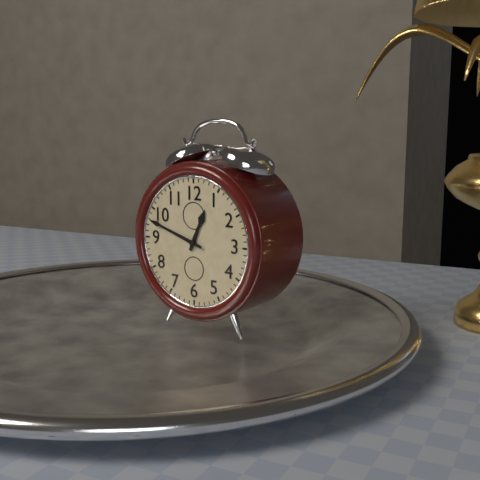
h=12 m=48
